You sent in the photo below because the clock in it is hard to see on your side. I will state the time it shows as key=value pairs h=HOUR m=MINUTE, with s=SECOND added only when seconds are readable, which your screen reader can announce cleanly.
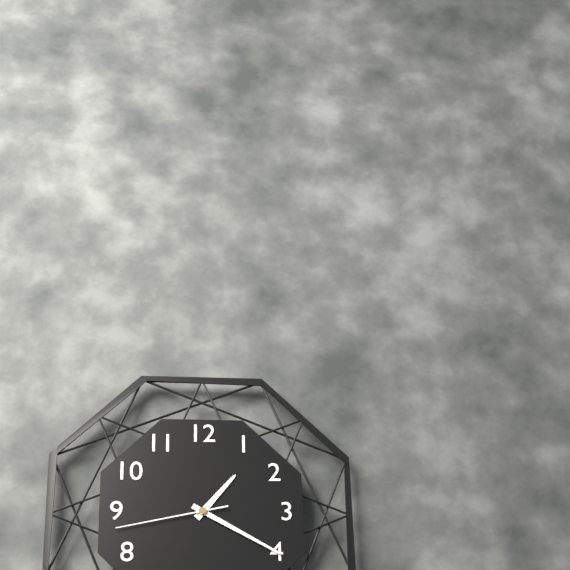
h=1 m=20 s=43
